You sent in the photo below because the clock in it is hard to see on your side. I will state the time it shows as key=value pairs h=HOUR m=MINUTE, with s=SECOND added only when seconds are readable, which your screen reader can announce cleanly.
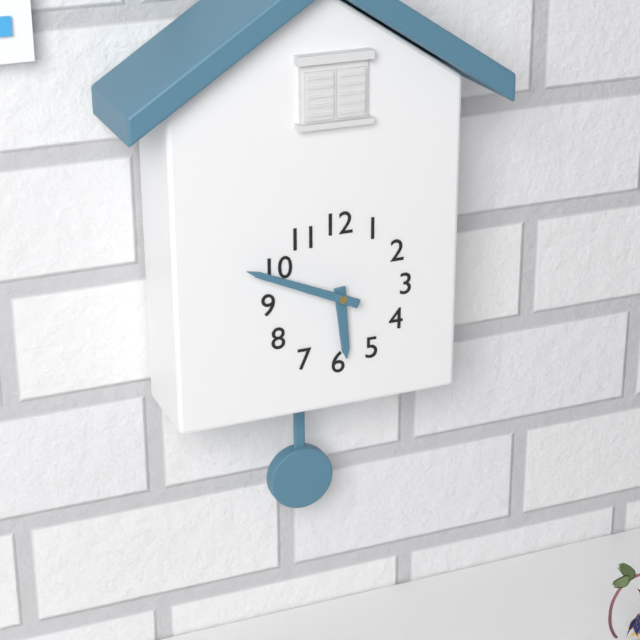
h=5 m=49
